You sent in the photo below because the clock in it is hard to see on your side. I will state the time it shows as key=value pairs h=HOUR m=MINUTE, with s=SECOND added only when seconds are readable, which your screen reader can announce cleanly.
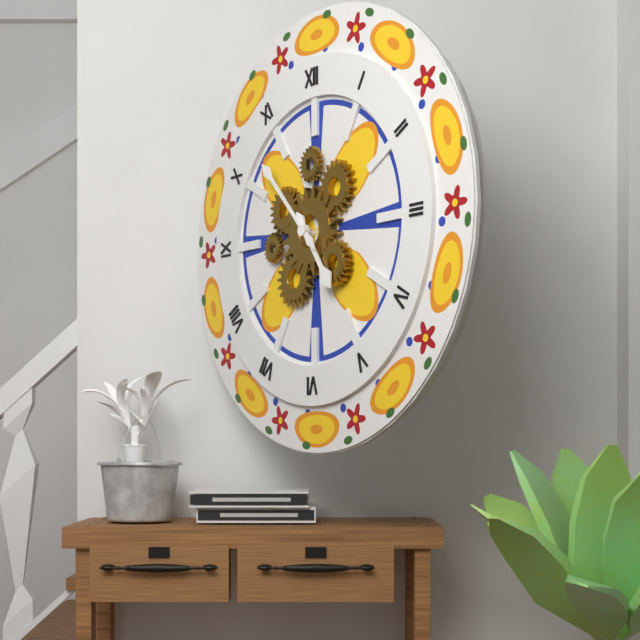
h=4 m=53
